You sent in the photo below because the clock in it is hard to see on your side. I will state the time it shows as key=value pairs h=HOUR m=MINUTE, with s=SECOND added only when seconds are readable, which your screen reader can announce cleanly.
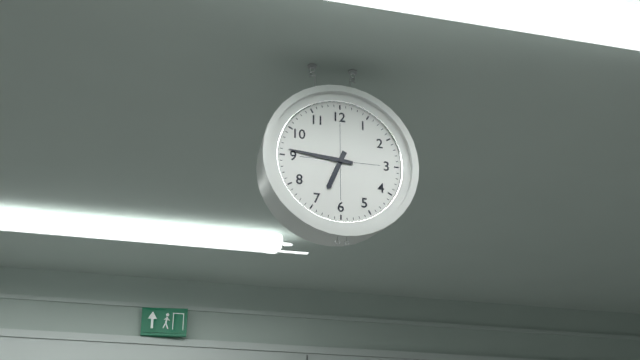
h=6 m=46
